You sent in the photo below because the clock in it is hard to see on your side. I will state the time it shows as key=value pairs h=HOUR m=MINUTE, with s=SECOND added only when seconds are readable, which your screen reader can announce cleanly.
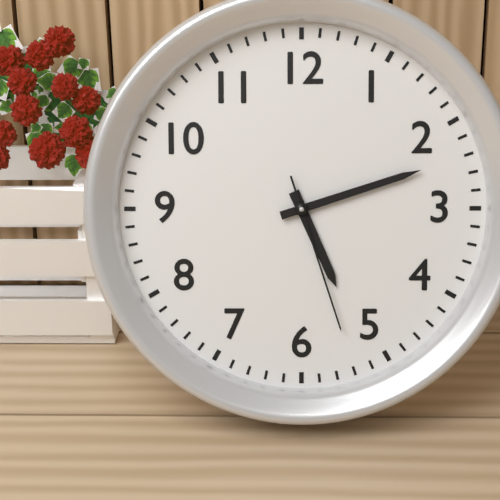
h=5 m=12 s=27
